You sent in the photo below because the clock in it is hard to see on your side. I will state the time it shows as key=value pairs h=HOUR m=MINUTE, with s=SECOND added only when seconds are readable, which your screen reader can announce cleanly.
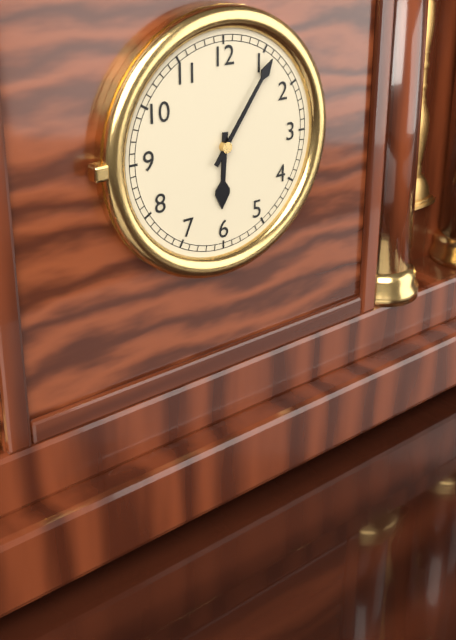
h=6 m=6
